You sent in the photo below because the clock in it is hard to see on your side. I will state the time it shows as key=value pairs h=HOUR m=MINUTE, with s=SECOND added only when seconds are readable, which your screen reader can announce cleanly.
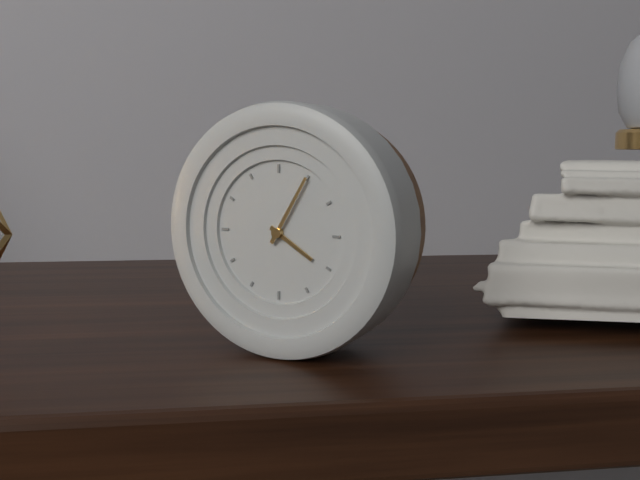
h=4 m=5
